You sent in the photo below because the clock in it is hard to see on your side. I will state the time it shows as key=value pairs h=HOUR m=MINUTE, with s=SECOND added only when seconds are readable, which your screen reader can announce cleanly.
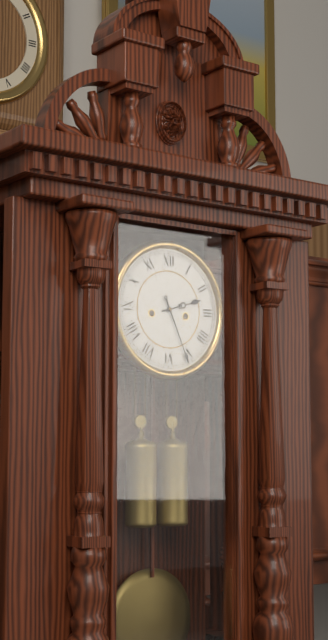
h=2 m=26
